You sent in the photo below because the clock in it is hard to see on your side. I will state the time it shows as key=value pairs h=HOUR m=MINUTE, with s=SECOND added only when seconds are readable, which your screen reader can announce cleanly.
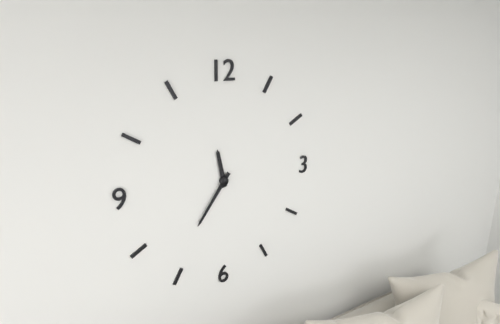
h=11 m=36
